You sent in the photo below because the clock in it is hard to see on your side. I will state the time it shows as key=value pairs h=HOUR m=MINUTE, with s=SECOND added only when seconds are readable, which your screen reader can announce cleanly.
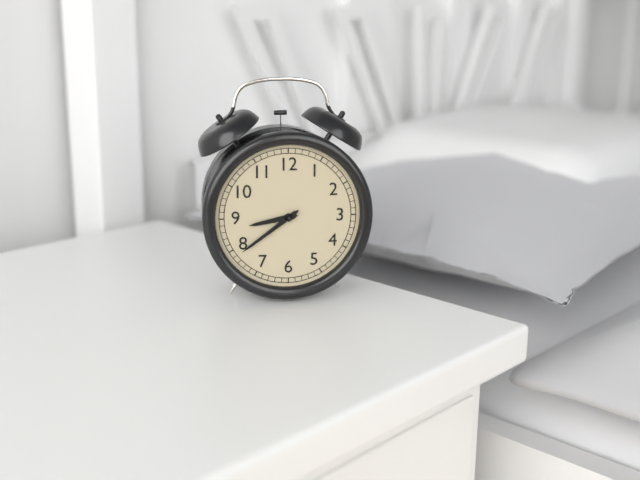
h=8 m=39
